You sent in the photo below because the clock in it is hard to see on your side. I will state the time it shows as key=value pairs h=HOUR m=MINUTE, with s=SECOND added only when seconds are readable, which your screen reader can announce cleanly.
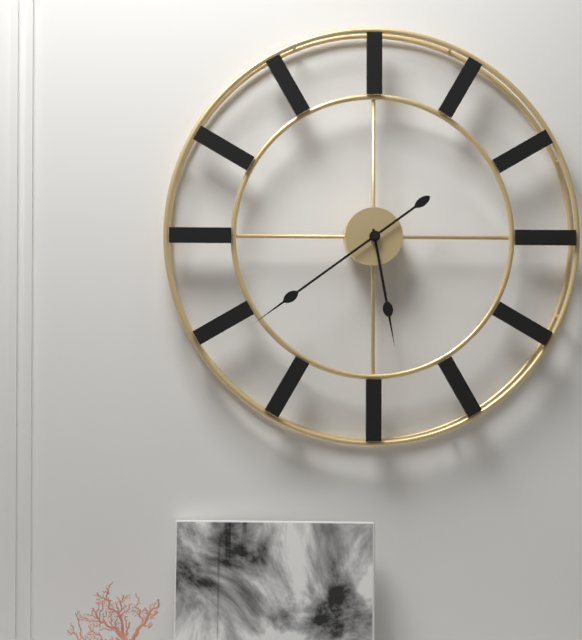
h=5 m=39
